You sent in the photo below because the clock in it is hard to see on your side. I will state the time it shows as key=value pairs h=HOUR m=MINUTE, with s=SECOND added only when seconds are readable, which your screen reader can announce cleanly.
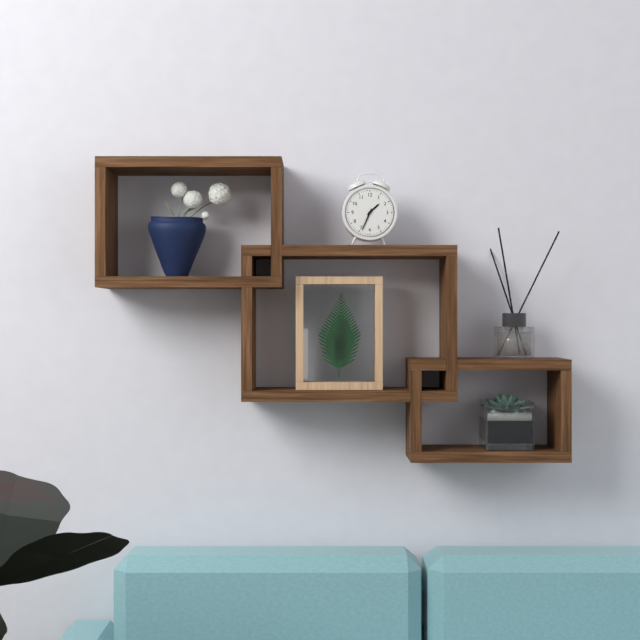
h=1 m=34
